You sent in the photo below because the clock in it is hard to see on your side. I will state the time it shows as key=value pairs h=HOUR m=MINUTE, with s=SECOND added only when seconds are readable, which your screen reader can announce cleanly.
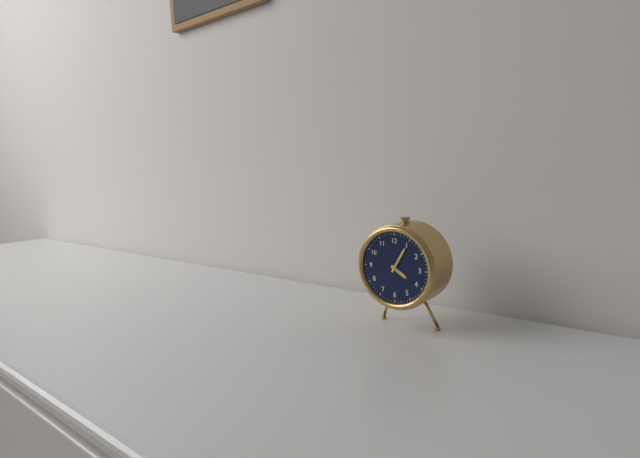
h=4 m=5
